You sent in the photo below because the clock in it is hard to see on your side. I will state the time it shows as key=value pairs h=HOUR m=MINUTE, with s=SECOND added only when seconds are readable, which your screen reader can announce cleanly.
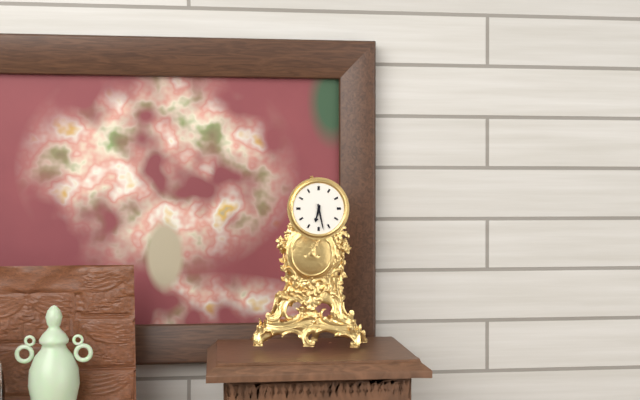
h=6 m=28
